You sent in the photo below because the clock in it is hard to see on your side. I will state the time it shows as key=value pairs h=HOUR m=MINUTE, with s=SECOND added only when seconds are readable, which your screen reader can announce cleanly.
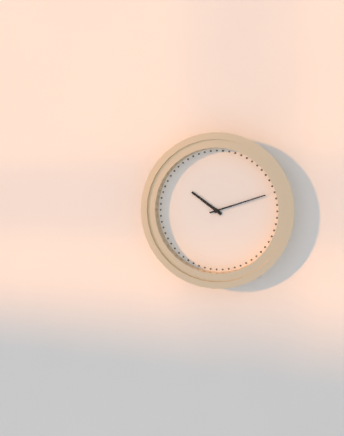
h=10 m=12
